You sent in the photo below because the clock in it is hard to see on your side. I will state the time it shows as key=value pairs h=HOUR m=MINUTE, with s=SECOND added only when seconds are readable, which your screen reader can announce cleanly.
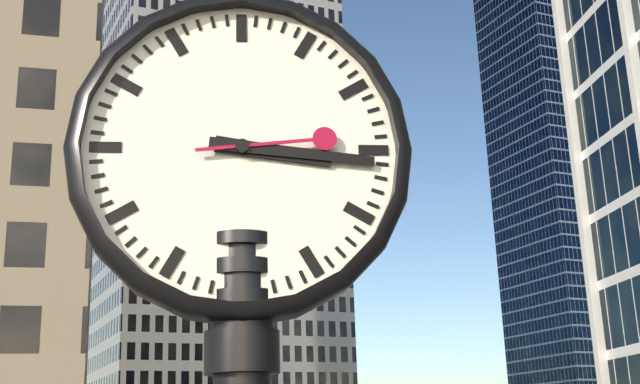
h=3 m=16 s=14
